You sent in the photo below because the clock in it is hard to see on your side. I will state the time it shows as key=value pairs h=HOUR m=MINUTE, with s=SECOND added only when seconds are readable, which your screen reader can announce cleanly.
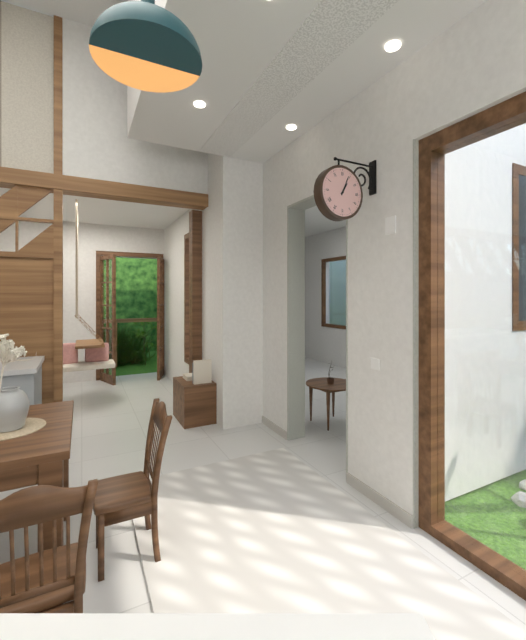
h=1 m=4
